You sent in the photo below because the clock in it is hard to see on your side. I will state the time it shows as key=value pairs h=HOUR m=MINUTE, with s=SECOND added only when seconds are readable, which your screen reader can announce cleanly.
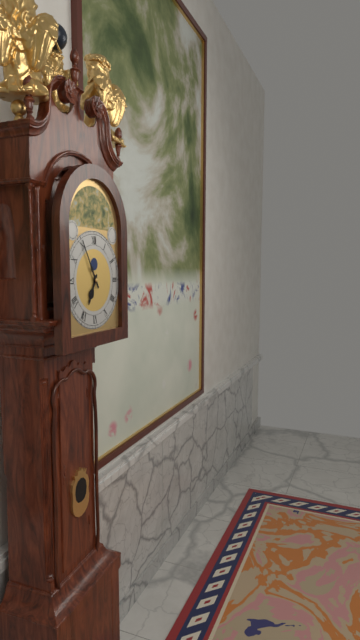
h=6 m=55
